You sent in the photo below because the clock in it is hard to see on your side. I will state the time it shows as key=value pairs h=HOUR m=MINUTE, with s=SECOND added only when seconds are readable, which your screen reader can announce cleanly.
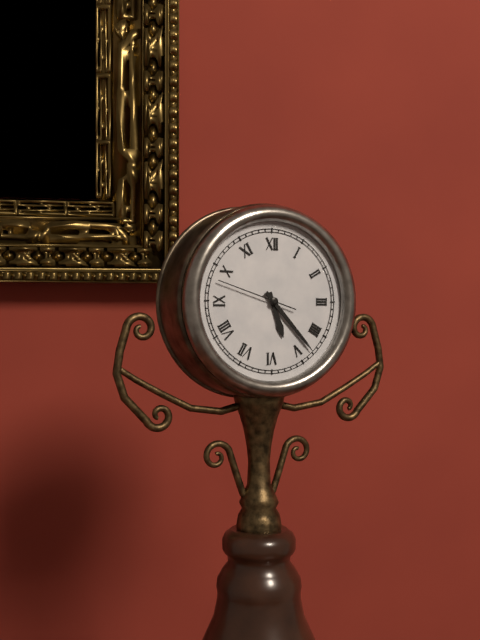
h=5 m=23 s=48
